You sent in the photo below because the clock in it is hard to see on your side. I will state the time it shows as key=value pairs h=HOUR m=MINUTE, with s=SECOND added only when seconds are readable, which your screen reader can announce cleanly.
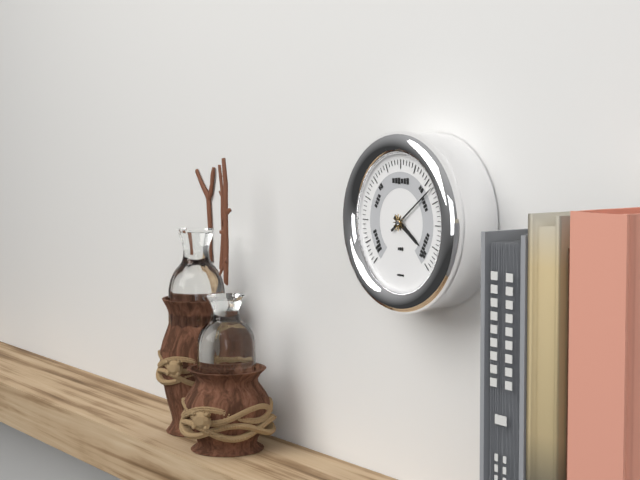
h=4 m=9
